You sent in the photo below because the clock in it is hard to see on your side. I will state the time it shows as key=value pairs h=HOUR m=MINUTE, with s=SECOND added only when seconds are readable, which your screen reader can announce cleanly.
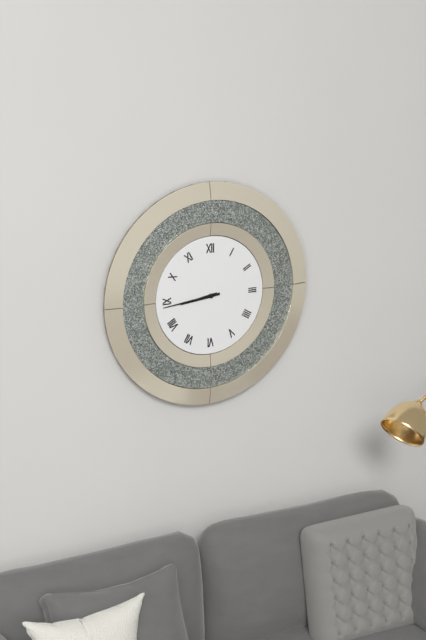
h=8 m=44
